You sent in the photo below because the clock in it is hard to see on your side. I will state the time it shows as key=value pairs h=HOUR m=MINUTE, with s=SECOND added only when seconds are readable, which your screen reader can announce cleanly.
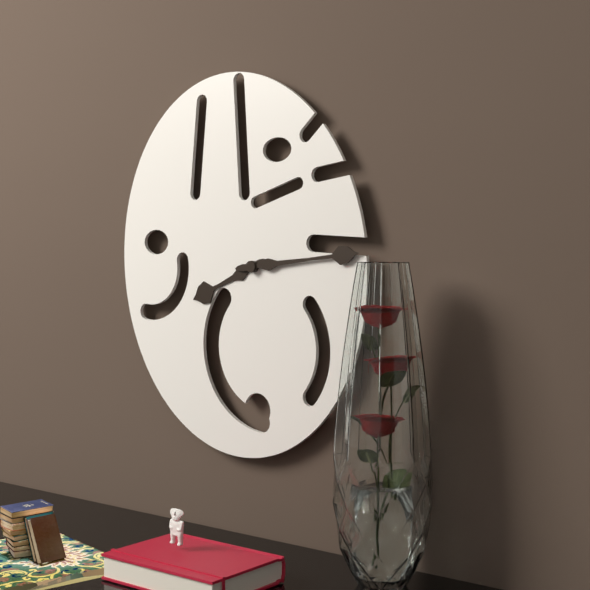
h=8 m=14
